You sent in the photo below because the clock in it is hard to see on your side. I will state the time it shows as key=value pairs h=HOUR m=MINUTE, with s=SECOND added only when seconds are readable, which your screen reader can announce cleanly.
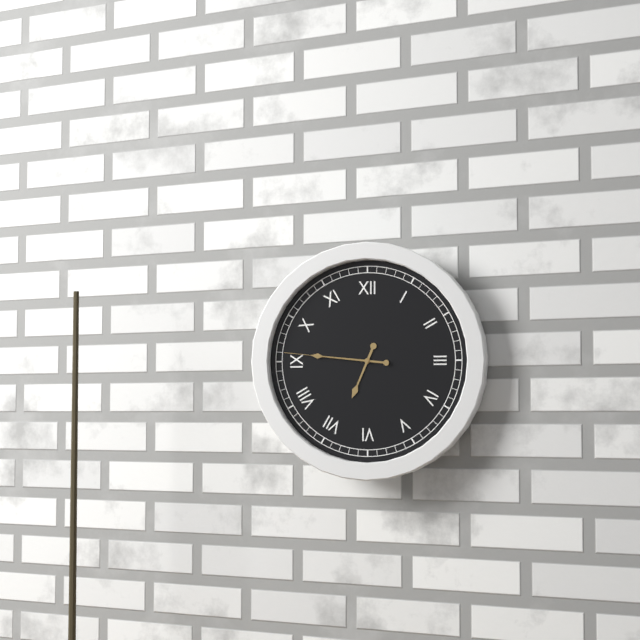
h=6 m=46 s=46
